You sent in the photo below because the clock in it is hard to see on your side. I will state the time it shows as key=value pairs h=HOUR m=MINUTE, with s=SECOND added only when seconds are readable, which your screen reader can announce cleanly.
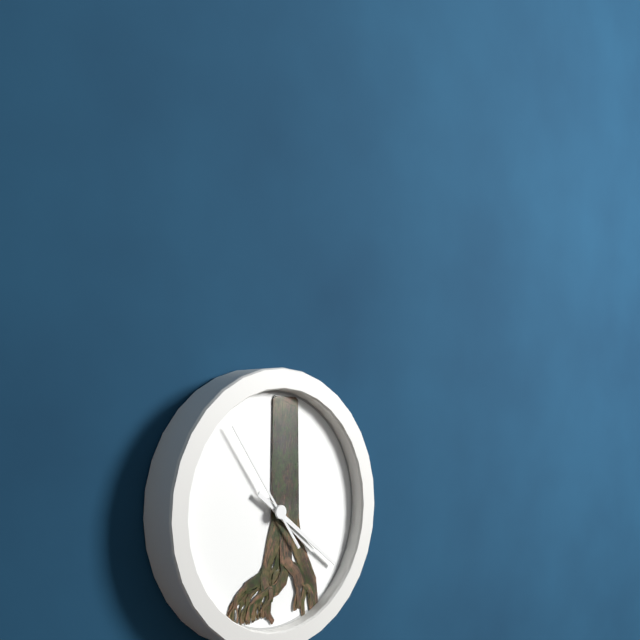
h=4 m=21 s=54
